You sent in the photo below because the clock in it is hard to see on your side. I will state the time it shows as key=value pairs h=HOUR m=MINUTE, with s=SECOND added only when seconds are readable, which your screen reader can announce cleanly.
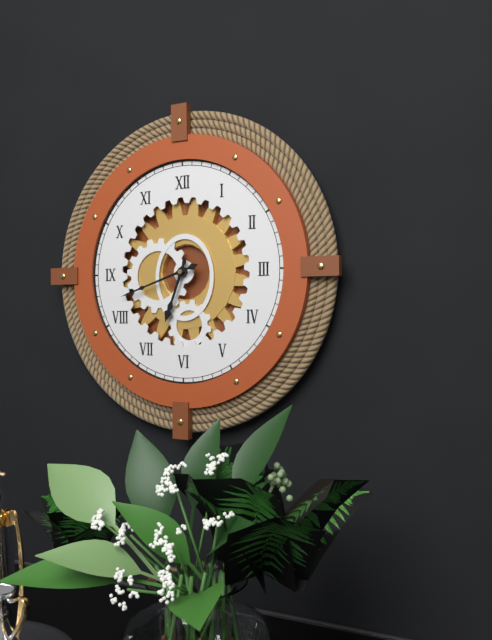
h=6 m=42
